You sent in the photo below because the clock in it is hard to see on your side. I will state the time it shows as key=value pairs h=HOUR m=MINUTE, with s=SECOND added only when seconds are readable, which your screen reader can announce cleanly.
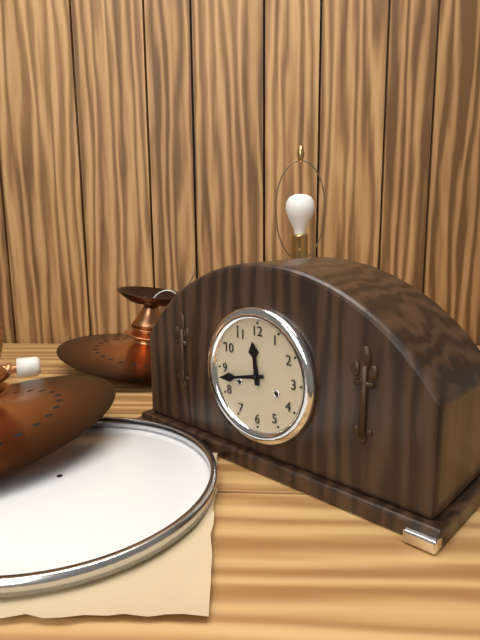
h=11 m=43
